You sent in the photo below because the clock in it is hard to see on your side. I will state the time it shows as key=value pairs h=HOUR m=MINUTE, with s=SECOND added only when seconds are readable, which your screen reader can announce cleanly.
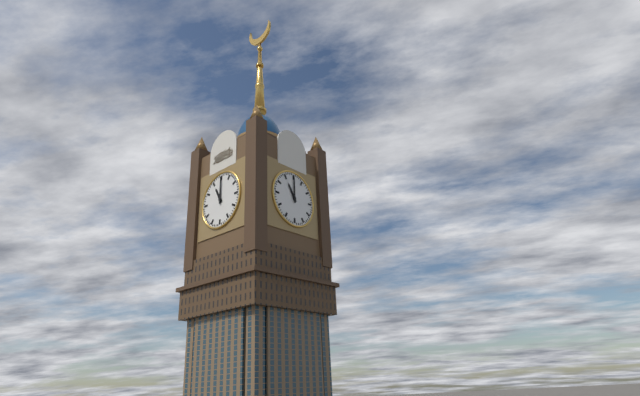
h=11 m=0
